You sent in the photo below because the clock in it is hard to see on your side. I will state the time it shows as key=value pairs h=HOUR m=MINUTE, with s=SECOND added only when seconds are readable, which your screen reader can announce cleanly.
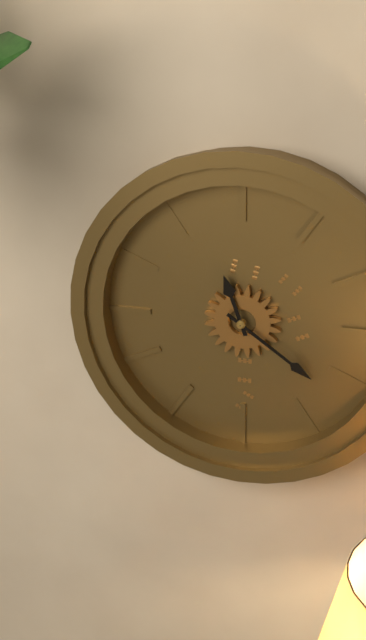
h=11 m=21
